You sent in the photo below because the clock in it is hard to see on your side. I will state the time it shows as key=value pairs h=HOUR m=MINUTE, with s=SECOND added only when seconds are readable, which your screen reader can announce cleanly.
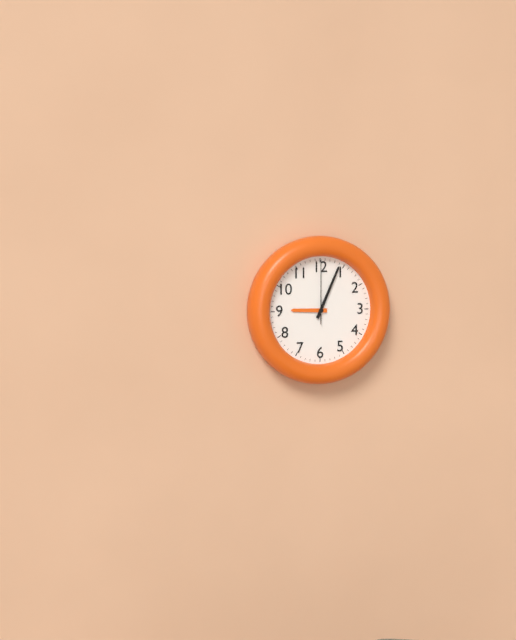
h=9 m=4 s=0
